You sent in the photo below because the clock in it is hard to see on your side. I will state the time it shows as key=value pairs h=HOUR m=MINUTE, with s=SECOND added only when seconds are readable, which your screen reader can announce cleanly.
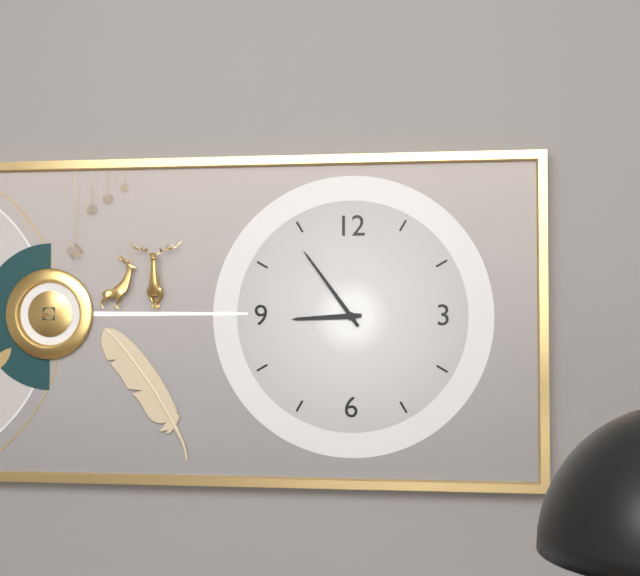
h=8 m=54
